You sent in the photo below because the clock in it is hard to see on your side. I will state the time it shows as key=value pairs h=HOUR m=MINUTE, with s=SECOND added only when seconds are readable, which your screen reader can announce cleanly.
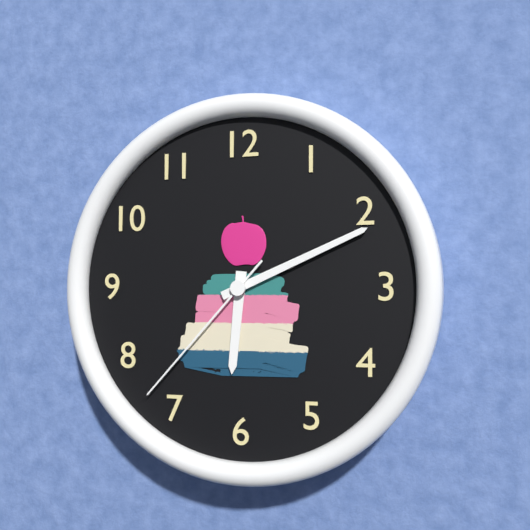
h=6 m=11 s=37
